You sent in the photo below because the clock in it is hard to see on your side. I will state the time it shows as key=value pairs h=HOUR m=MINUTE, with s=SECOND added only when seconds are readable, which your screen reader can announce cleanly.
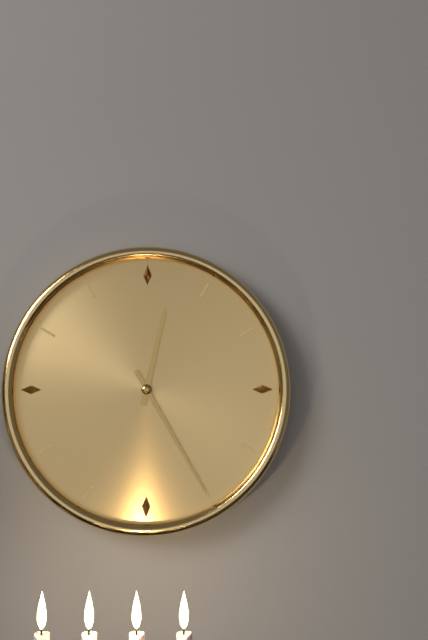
h=12 m=25
